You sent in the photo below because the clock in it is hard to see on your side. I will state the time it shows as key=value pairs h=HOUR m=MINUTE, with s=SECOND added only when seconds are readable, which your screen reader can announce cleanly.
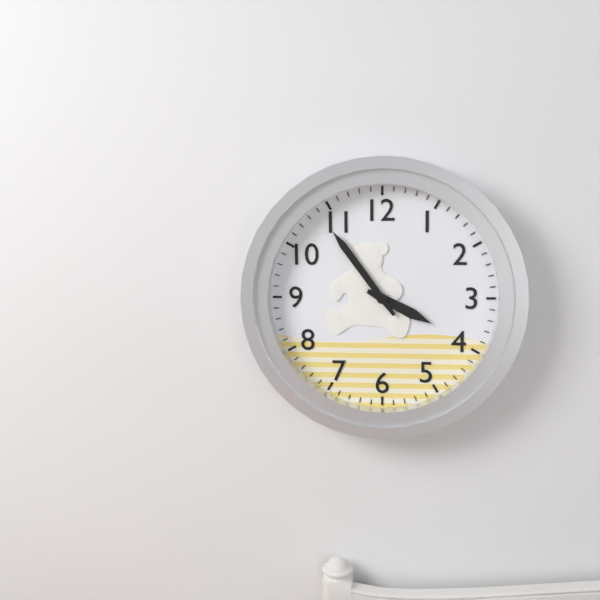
h=3 m=54
